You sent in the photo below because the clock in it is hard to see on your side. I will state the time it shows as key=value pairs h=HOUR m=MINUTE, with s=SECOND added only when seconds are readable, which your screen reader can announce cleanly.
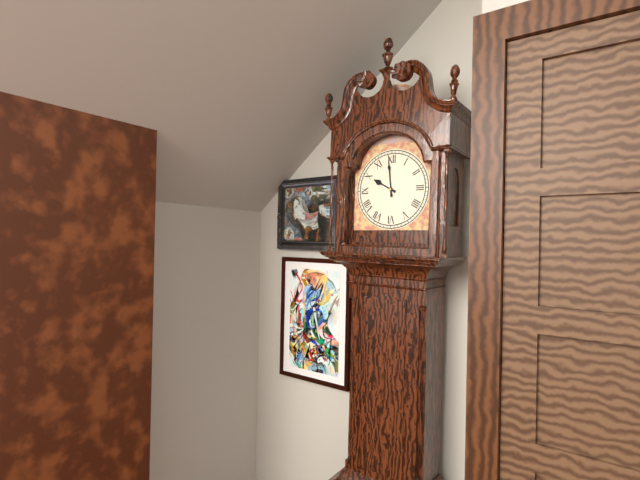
h=9 m=59
